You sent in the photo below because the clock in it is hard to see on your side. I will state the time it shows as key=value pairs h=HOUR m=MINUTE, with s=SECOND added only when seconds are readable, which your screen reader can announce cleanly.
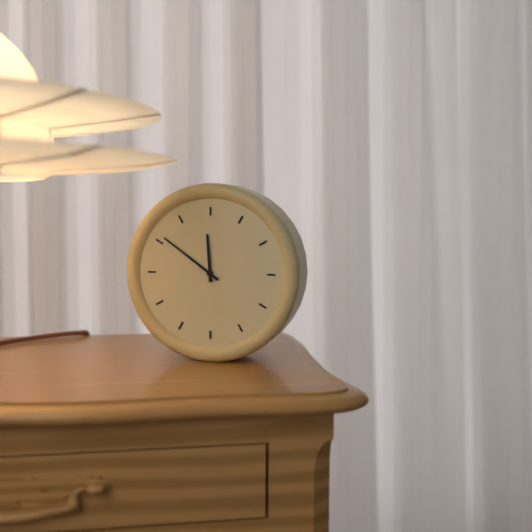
h=11 m=51
